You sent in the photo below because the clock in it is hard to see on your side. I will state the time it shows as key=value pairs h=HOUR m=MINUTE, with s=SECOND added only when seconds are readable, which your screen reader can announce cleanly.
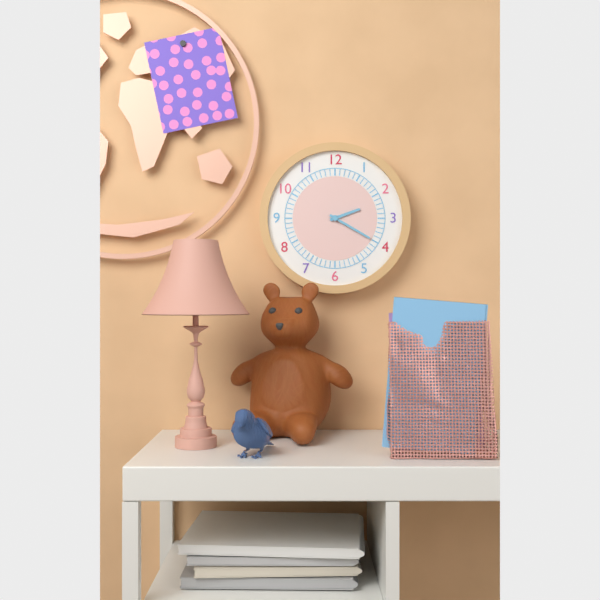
h=2 m=20
